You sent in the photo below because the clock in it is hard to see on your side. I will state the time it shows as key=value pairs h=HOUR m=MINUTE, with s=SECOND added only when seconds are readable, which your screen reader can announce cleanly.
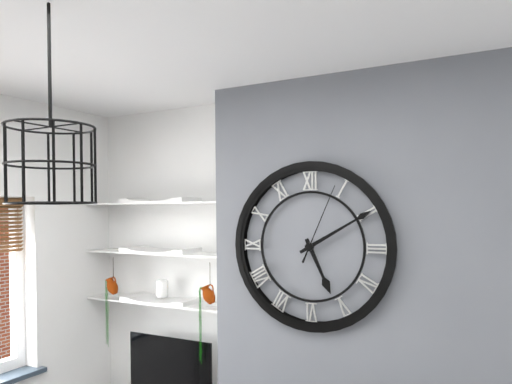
h=5 m=10 s=4
